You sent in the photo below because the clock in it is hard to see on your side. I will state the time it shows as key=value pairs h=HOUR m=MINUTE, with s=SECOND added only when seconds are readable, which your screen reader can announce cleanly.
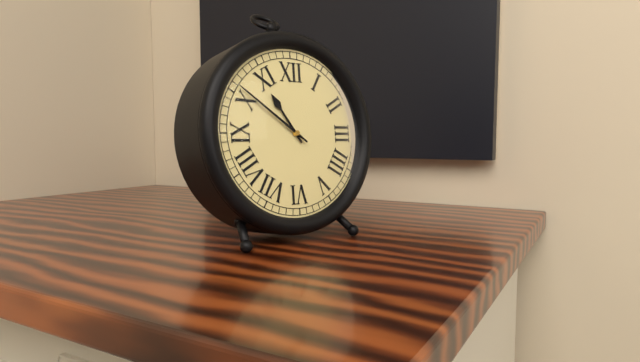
h=10 m=51
